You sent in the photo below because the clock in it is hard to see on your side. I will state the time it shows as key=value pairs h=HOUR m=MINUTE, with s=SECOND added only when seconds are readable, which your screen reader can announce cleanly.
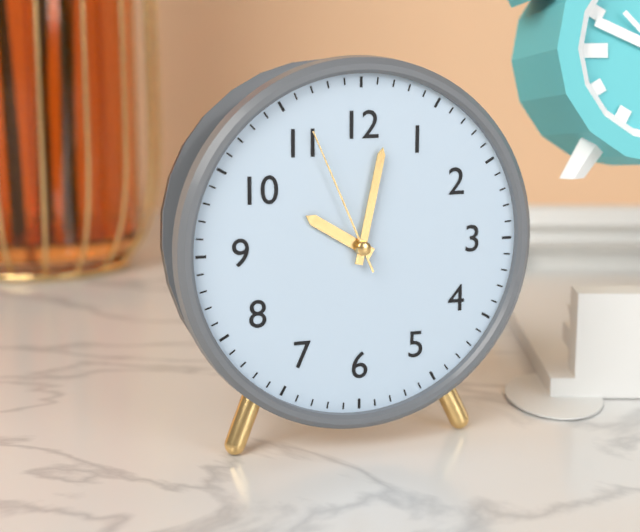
h=10 m=2 s=56
